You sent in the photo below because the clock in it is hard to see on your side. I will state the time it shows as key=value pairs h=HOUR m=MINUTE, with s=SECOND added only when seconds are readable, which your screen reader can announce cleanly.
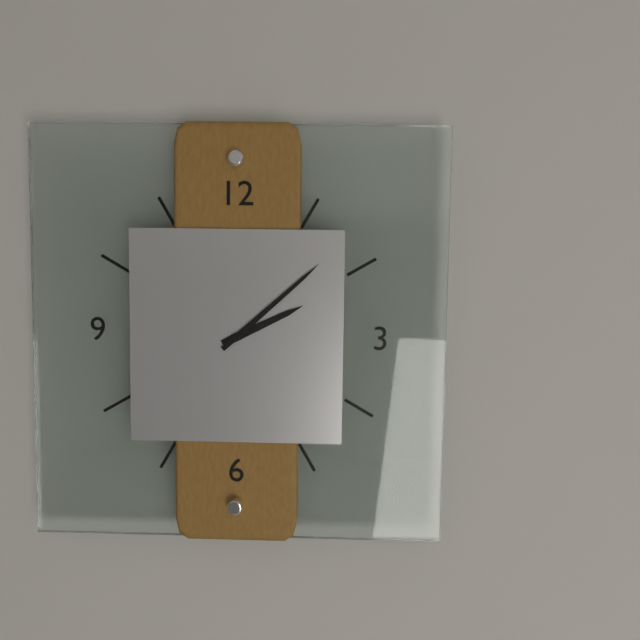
h=2 m=8
